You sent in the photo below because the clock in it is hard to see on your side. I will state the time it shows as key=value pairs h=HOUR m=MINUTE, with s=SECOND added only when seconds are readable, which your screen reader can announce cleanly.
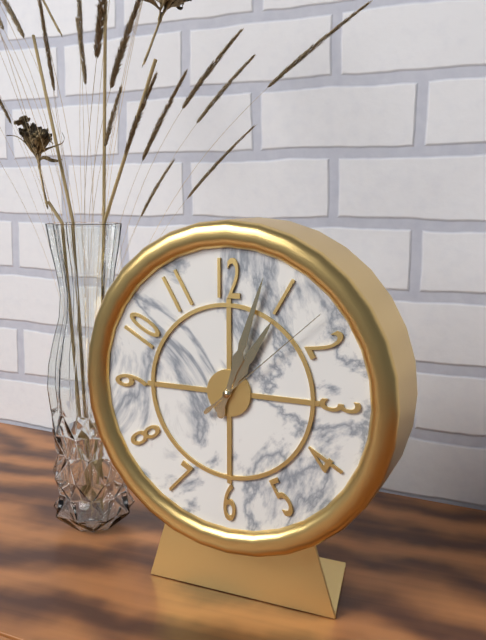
h=1 m=3 s=8
